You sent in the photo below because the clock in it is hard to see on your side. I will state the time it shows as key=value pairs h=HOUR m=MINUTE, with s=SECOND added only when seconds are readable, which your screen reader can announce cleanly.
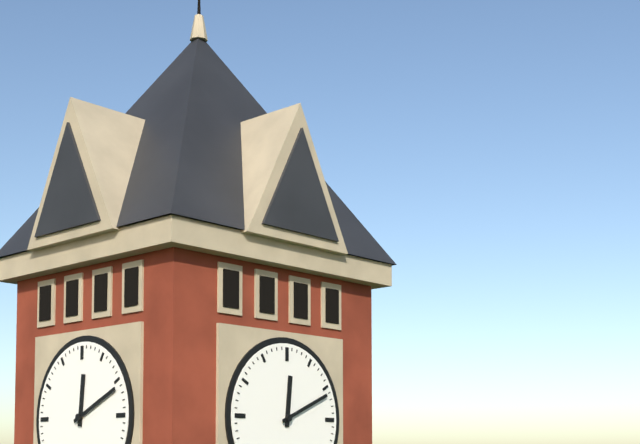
h=12 m=11
